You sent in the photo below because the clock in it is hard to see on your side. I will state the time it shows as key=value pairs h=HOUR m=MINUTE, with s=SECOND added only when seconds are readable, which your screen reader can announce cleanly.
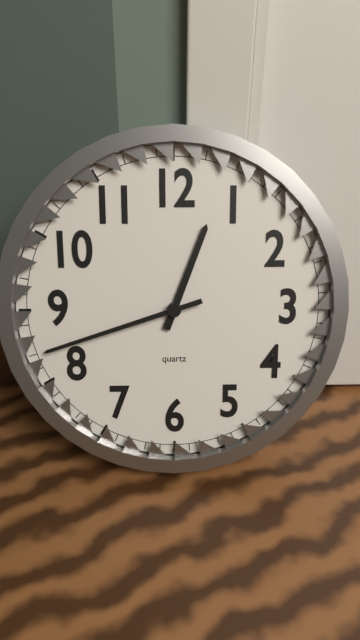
h=12 m=42
